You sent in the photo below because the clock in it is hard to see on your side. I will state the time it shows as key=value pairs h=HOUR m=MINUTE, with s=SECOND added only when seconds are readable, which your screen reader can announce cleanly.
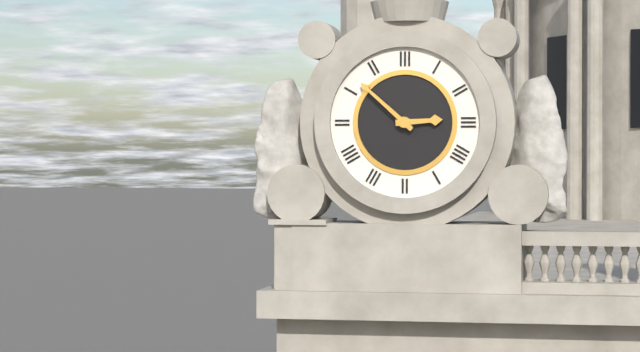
h=2 m=52
